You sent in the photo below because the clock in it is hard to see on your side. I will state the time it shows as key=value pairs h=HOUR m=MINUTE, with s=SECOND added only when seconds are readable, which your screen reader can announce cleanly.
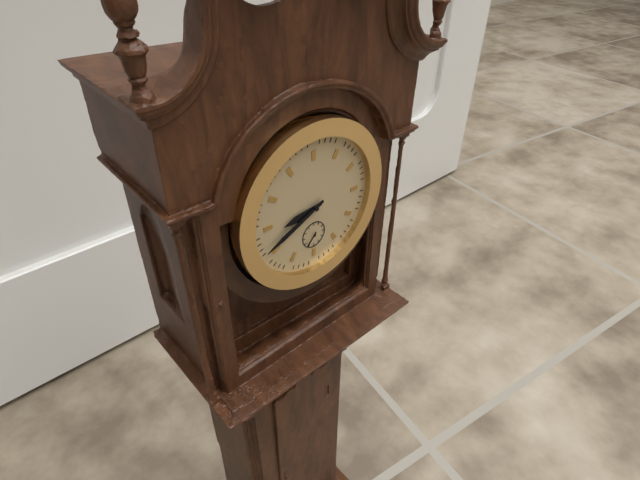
h=8 m=41
